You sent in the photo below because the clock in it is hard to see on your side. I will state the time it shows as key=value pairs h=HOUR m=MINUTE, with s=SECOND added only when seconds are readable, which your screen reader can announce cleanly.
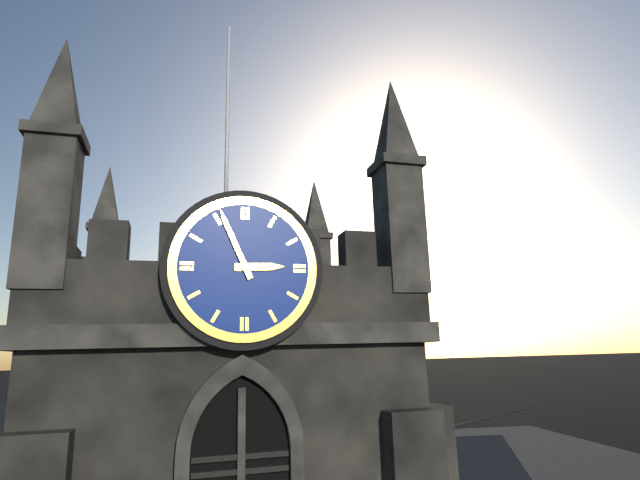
h=2 m=56
